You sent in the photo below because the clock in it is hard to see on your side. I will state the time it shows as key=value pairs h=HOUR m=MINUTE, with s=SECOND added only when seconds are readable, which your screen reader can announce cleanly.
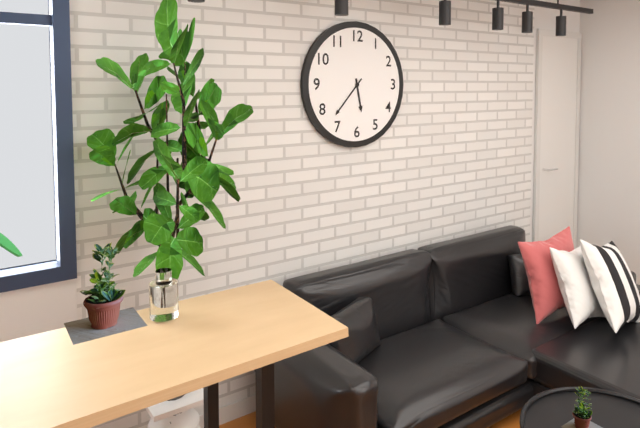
h=5 m=37
